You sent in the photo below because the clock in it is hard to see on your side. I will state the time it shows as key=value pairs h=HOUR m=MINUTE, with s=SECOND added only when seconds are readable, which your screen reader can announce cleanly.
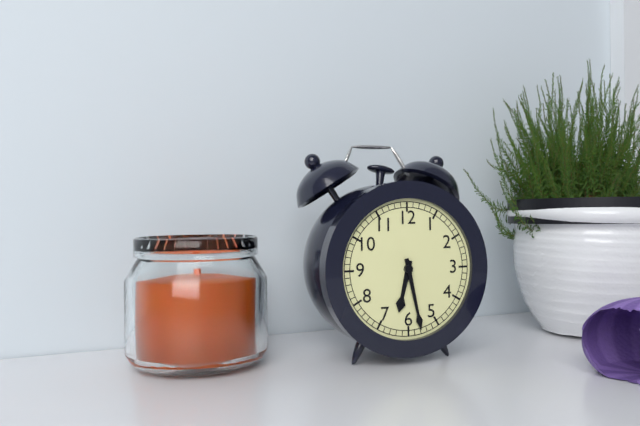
h=6 m=28
